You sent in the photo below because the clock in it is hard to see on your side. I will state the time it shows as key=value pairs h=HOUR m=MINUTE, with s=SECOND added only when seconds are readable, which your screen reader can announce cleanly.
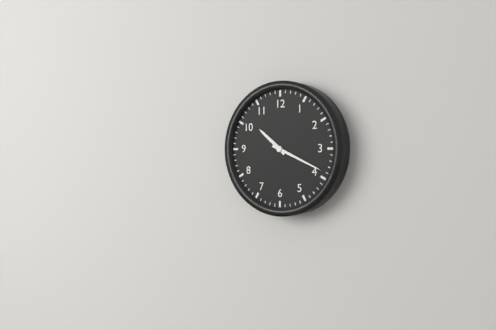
h=10 m=19
